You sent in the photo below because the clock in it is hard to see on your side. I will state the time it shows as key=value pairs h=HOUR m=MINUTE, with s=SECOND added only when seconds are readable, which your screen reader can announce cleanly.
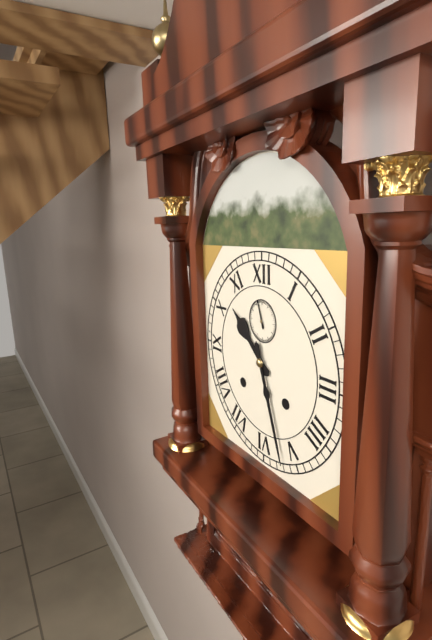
h=10 m=27
